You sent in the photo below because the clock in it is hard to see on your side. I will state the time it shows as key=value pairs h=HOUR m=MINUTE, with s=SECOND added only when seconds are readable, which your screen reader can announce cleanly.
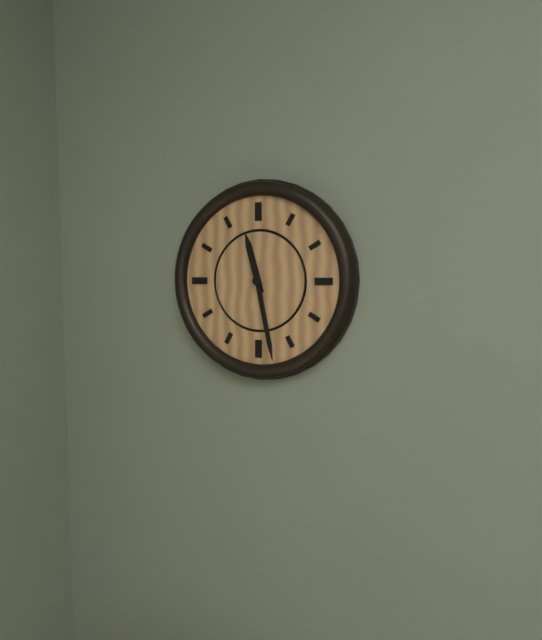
h=11 m=28
